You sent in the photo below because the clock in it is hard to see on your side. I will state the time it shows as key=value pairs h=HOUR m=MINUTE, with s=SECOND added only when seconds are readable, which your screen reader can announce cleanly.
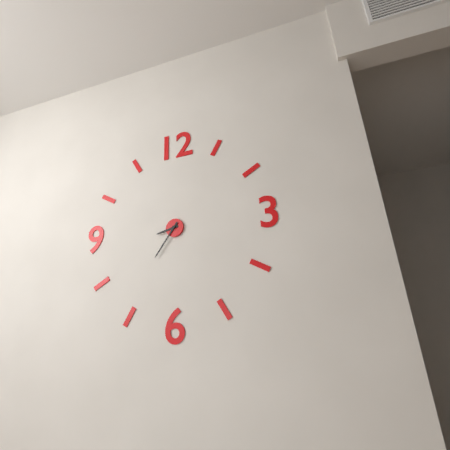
h=8 m=36
